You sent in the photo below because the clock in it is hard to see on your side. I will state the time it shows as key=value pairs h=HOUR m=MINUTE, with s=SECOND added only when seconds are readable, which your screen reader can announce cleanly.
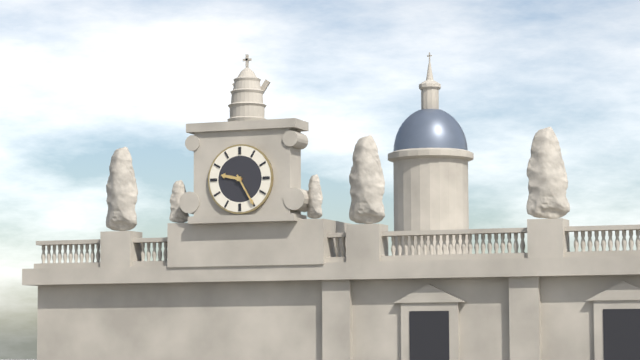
h=9 m=25
